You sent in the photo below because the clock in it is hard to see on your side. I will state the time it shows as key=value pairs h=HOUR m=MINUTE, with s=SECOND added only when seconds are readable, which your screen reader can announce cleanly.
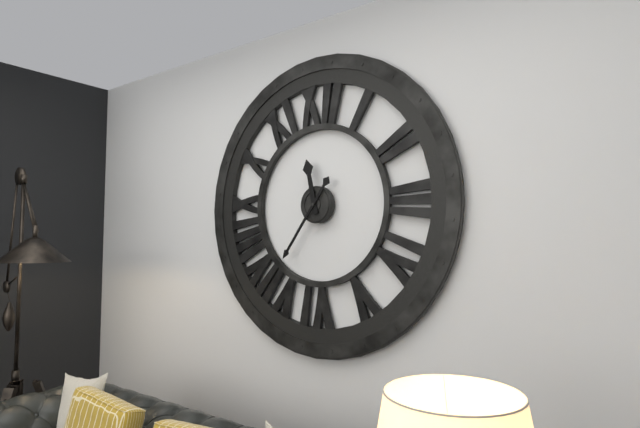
h=11 m=36
